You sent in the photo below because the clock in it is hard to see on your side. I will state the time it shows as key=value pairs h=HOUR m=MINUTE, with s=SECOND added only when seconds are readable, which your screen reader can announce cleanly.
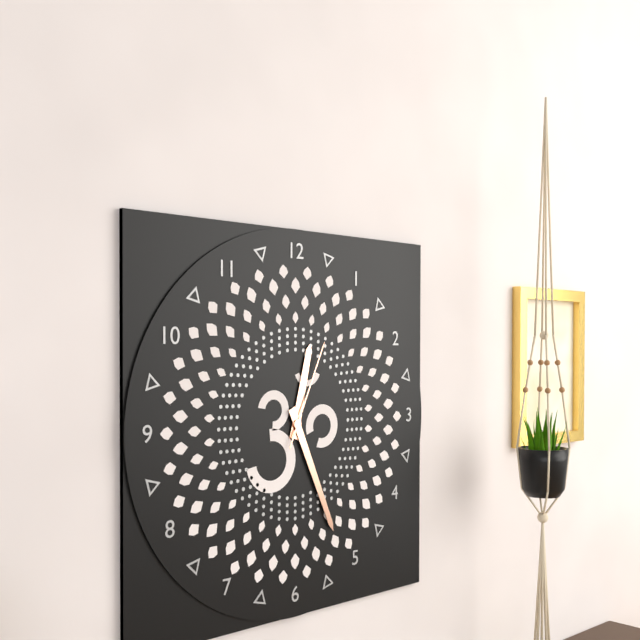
h=12 m=26 s=4
